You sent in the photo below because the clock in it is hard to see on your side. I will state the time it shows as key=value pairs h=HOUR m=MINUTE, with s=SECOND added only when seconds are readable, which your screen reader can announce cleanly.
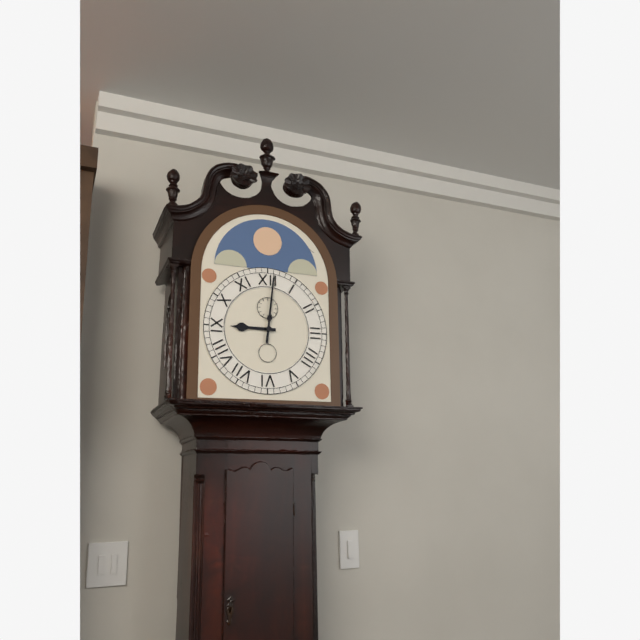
h=9 m=1
